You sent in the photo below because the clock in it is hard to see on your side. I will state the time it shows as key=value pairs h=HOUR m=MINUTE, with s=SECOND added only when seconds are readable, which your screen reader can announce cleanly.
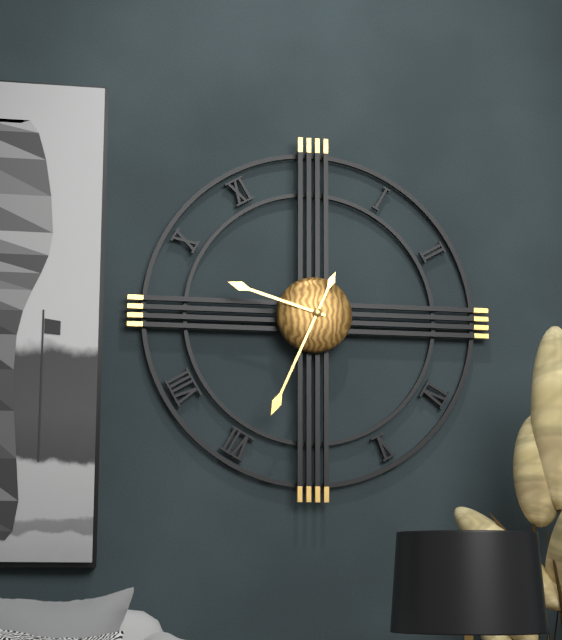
h=9 m=34
